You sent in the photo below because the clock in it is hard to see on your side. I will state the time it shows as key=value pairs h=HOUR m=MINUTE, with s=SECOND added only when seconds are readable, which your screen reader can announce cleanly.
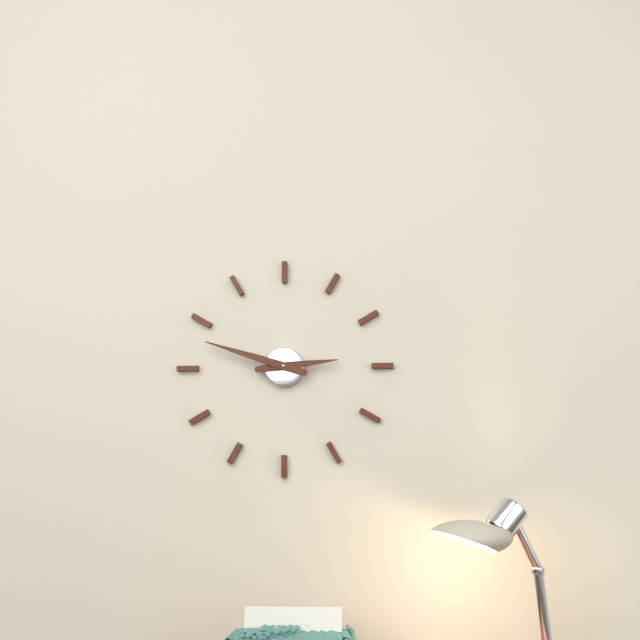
h=2 m=48
